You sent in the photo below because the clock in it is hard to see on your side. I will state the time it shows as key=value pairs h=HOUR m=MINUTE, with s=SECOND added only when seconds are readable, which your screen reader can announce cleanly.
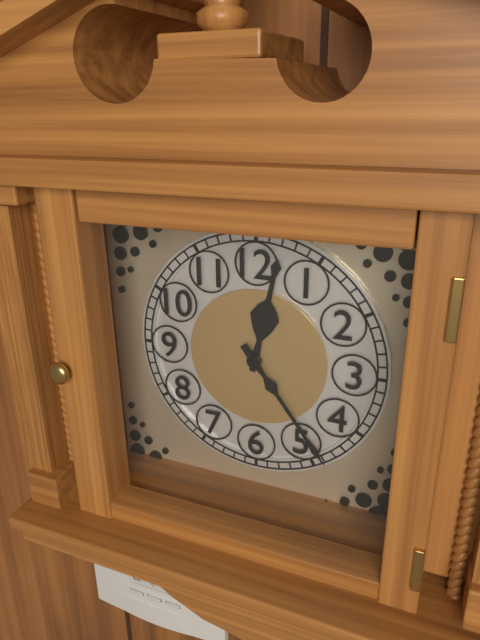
h=12 m=24
